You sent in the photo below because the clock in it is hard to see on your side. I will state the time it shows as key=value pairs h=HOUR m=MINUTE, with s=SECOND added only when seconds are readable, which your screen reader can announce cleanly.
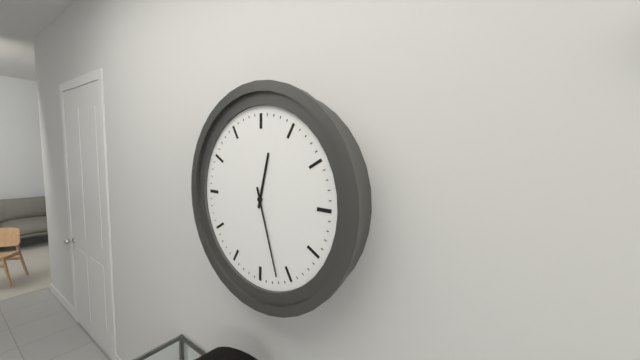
h=12 m=27
